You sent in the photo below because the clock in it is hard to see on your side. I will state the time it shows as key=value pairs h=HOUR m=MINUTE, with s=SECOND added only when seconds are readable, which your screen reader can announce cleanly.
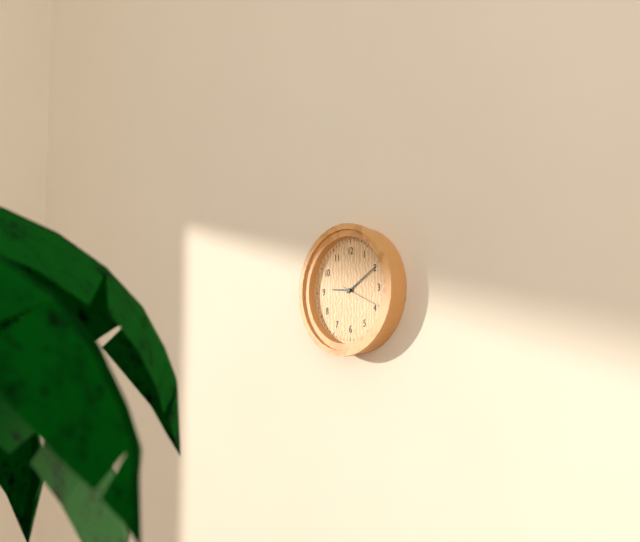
h=9 m=10
